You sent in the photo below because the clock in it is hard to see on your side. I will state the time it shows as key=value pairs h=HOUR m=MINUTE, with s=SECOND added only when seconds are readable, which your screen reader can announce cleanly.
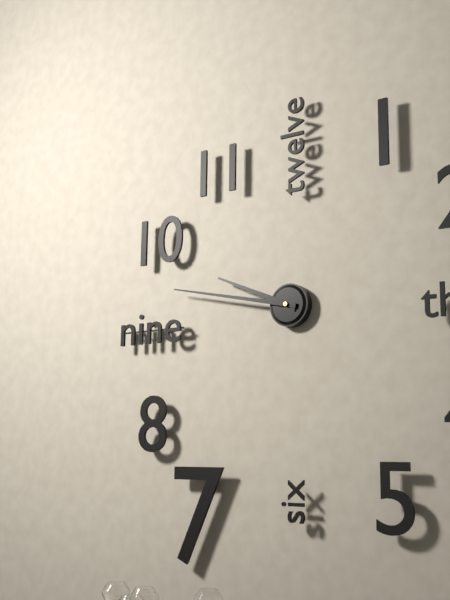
h=9 m=47
